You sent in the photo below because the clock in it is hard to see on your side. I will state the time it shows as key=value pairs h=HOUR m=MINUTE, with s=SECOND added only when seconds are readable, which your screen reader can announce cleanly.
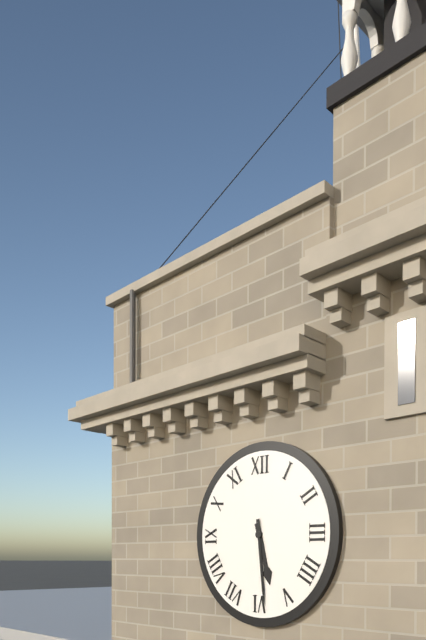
h=5 m=29
